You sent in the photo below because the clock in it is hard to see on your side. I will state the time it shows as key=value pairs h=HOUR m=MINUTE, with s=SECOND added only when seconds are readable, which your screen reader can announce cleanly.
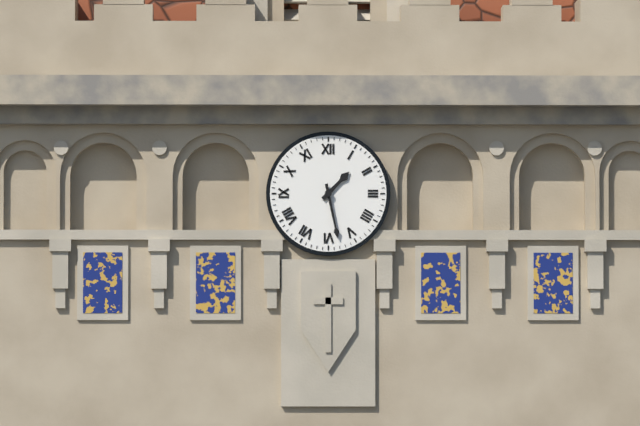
h=1 m=28
